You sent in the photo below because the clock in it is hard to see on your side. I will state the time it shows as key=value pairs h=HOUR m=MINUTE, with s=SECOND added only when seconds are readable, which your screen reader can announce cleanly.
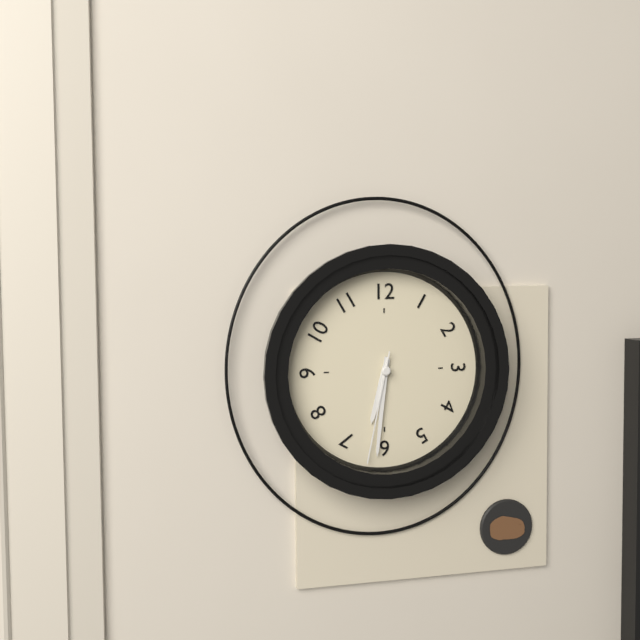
h=6 m=31 s=32
